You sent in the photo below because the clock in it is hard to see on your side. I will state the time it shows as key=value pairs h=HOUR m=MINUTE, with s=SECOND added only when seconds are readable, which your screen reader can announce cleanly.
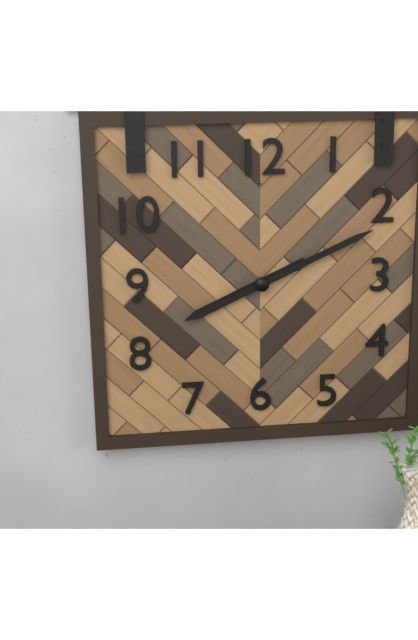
h=8 m=11
